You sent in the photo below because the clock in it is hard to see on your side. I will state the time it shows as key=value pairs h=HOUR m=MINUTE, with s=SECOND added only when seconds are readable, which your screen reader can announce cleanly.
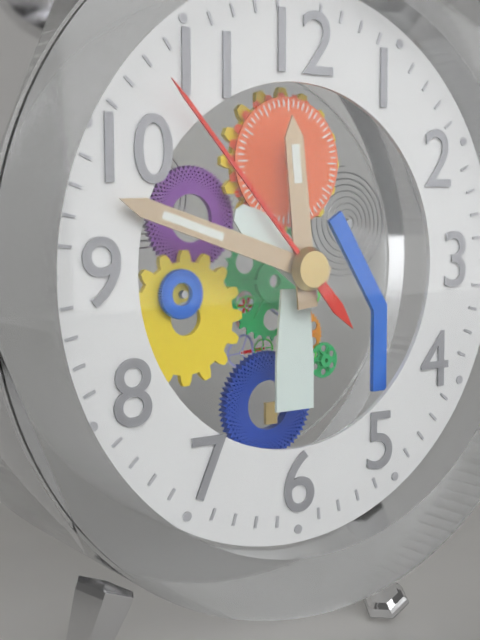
h=11 m=48 s=53
